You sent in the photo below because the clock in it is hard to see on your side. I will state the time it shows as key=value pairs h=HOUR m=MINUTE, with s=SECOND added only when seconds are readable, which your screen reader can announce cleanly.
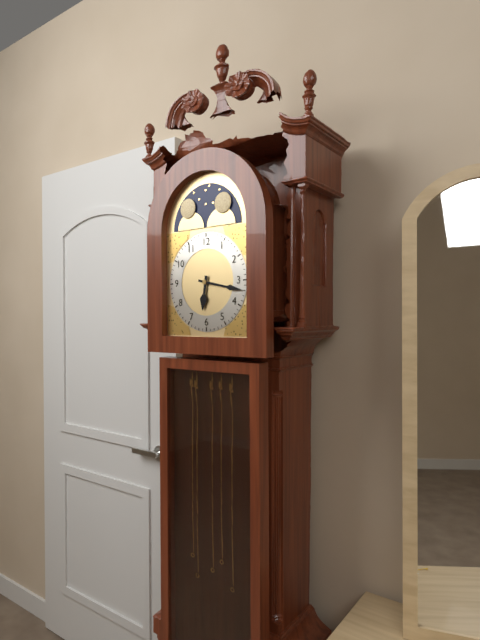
h=6 m=17
